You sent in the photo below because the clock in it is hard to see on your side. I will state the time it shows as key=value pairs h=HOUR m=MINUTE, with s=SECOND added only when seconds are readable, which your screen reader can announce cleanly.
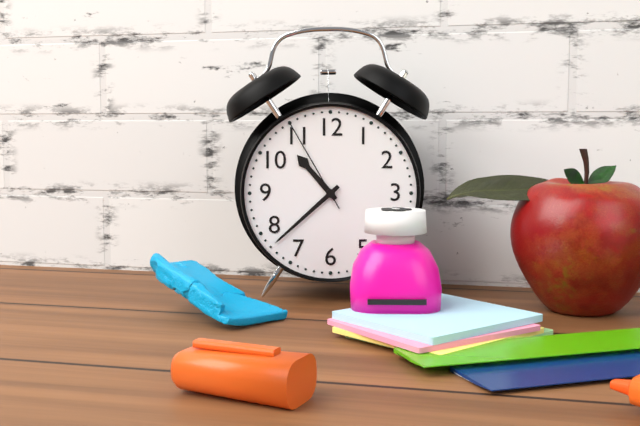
h=10 m=38 s=55
